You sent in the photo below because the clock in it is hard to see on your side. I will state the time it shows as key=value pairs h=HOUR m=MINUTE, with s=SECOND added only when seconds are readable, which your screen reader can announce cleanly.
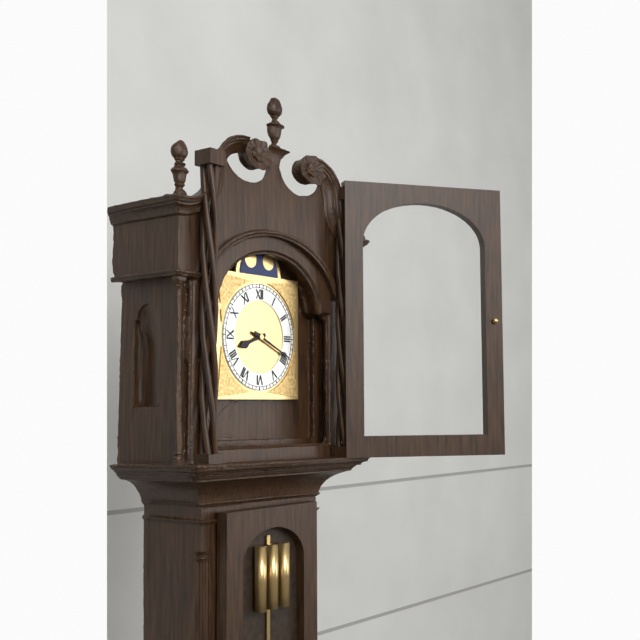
h=8 m=19
